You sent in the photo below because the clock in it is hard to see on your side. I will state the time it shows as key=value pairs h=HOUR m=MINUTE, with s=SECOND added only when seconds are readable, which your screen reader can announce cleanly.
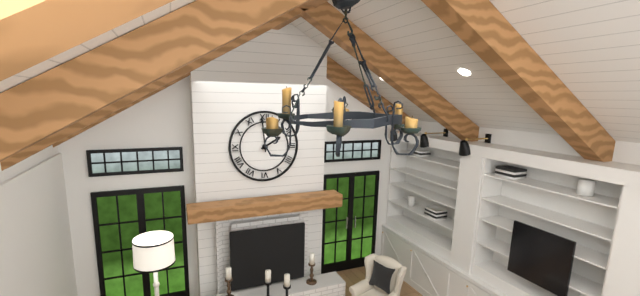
h=1 m=59
